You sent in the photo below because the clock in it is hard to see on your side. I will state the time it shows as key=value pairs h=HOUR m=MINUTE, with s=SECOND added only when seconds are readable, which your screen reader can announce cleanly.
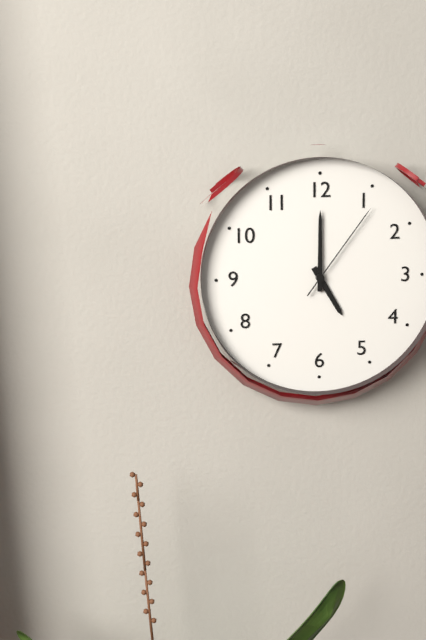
h=5 m=0 s=6
